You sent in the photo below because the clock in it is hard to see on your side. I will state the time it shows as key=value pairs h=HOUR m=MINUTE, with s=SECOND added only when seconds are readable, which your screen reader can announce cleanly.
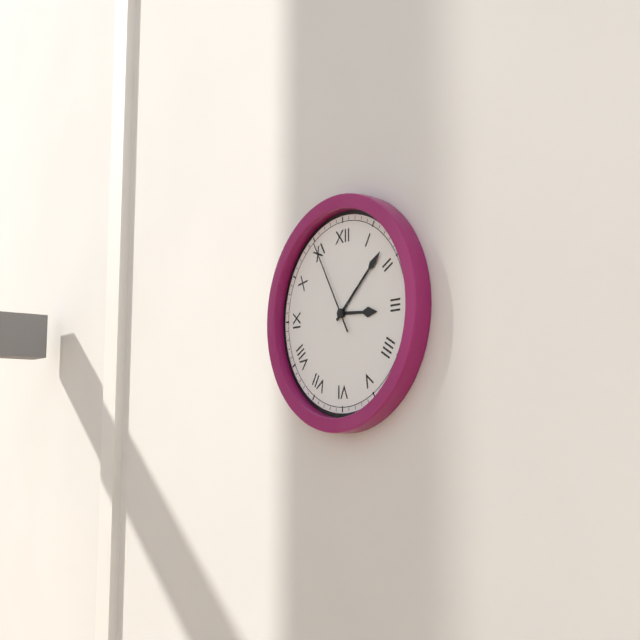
h=3 m=8 s=55
